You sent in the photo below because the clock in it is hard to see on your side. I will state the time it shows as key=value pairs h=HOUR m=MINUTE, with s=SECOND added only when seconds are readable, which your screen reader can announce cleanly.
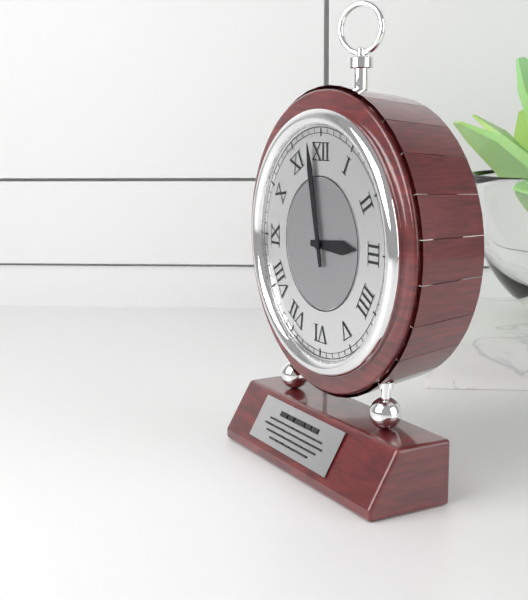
h=2 m=58
